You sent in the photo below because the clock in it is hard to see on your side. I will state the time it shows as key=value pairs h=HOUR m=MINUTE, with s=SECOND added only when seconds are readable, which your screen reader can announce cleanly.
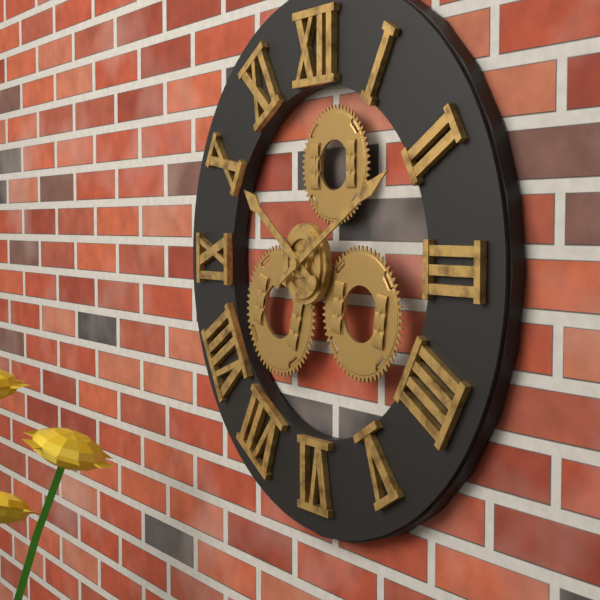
h=10 m=10
